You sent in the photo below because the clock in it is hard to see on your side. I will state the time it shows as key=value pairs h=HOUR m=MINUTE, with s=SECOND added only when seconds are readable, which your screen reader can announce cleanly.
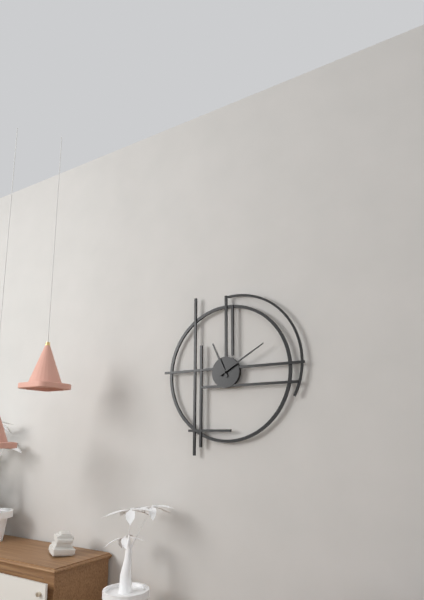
h=11 m=10
